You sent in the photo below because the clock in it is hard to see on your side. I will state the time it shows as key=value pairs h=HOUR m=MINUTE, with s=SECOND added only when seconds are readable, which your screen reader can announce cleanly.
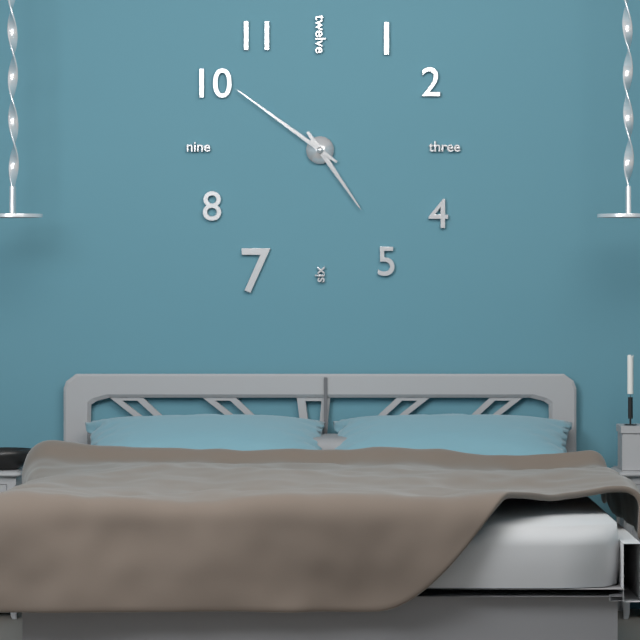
h=4 m=51
